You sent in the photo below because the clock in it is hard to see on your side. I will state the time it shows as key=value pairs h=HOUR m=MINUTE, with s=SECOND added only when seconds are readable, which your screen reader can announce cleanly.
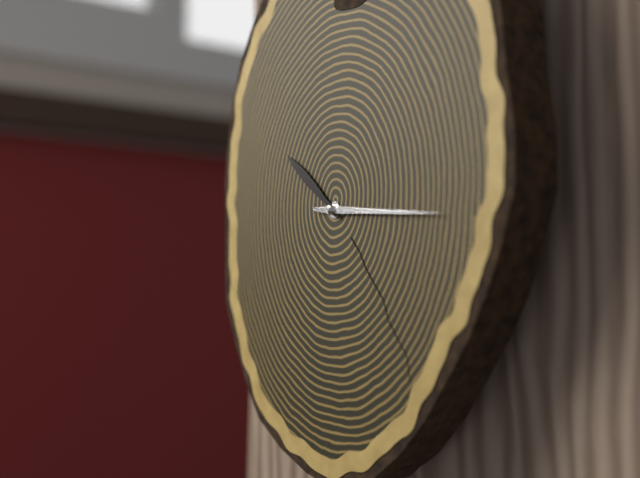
h=10 m=16
